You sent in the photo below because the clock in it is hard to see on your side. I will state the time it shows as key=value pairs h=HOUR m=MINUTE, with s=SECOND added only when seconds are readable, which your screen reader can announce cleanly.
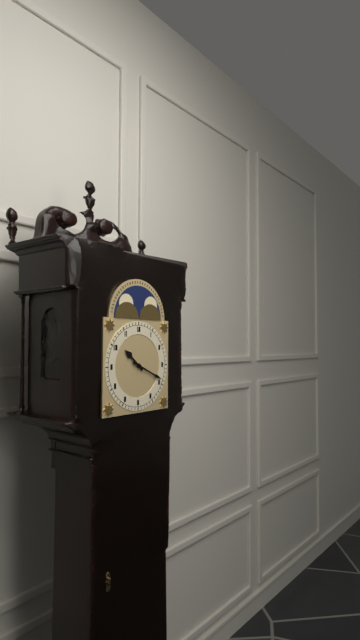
h=10 m=19
